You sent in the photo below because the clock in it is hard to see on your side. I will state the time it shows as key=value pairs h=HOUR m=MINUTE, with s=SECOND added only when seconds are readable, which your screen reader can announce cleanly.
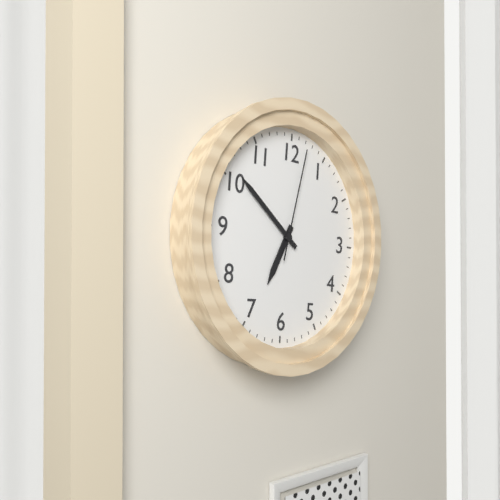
h=6 m=51 s=2
